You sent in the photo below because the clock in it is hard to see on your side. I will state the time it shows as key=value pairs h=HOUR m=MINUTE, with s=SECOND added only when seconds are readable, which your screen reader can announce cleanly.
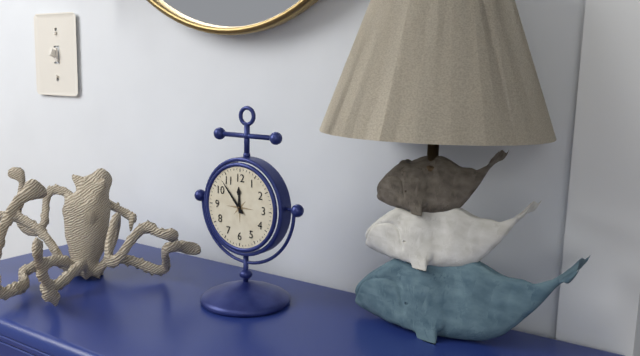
h=11 m=53
